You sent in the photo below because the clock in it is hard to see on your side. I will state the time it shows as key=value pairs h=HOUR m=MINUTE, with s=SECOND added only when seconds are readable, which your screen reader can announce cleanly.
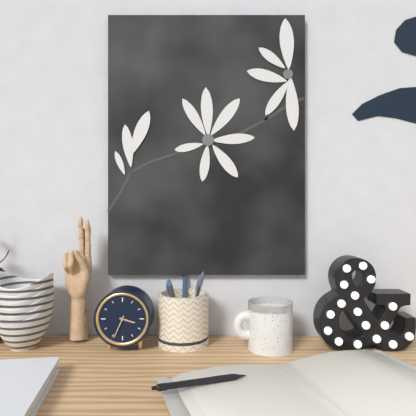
h=3 m=34
